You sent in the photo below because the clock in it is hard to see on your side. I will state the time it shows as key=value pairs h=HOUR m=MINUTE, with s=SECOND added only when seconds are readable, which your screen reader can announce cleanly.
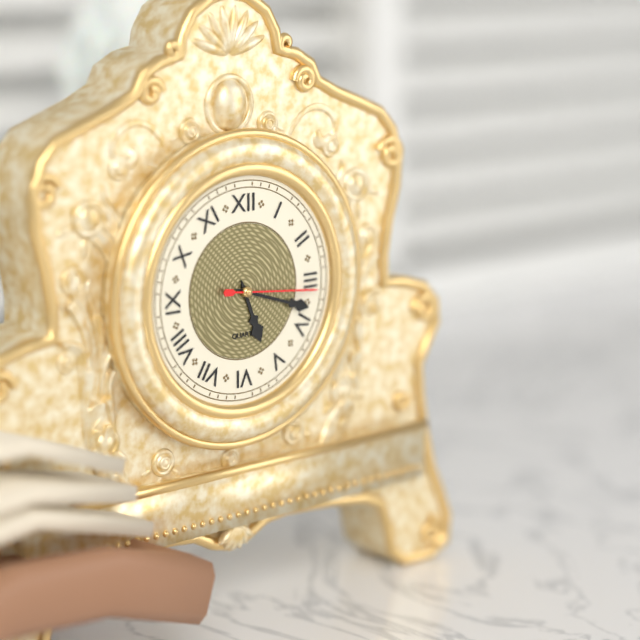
h=5 m=18 s=16
